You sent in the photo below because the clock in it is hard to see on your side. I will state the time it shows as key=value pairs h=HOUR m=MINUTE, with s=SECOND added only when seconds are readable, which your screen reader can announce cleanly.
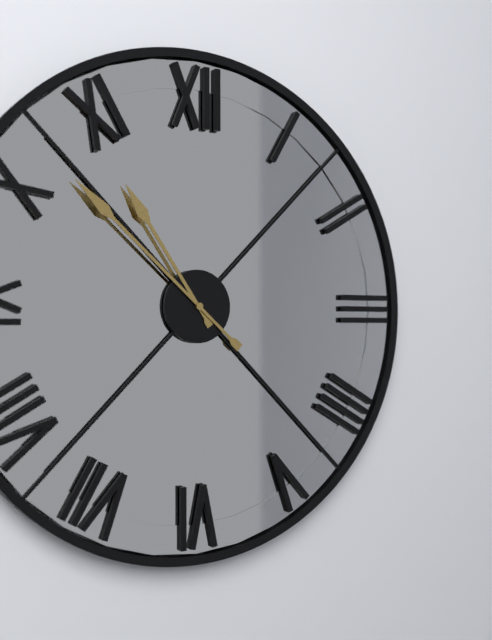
h=10 m=52
